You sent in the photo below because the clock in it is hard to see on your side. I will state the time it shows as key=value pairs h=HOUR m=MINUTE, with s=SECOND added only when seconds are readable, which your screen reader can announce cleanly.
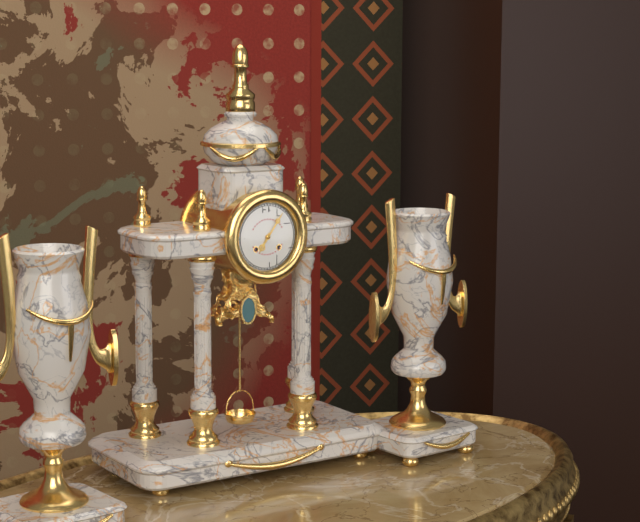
h=7 m=6
